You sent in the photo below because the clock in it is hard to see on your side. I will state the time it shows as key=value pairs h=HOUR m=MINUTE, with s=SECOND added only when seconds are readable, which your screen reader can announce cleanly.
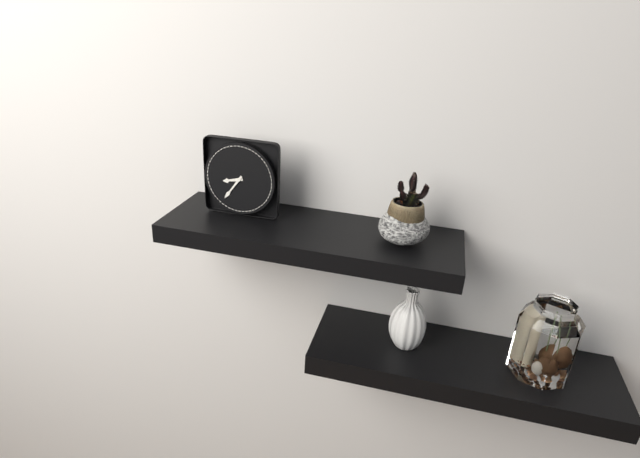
h=8 m=36
